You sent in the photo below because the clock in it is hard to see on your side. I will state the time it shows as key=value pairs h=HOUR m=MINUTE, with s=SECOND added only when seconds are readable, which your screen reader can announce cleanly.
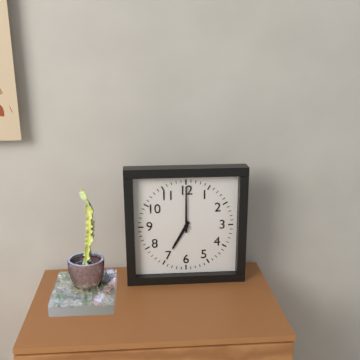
h=7 m=0
